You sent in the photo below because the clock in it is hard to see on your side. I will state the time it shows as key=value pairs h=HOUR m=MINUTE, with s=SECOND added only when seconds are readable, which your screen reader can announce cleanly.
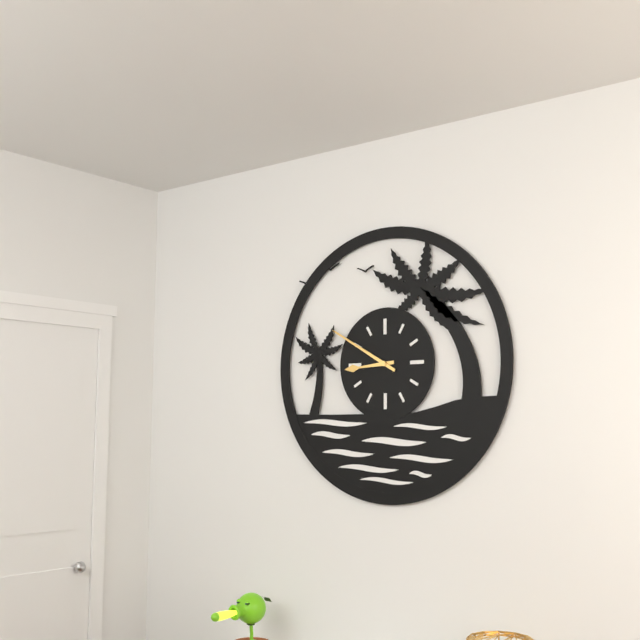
h=8 m=50
